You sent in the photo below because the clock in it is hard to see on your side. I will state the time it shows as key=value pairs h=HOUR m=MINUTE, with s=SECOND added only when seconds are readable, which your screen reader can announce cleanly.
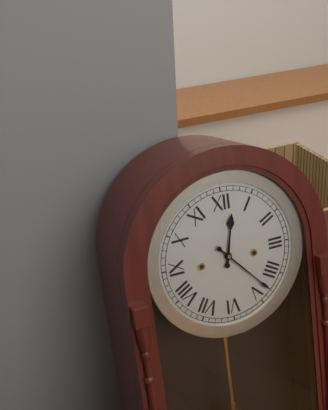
h=12 m=23
